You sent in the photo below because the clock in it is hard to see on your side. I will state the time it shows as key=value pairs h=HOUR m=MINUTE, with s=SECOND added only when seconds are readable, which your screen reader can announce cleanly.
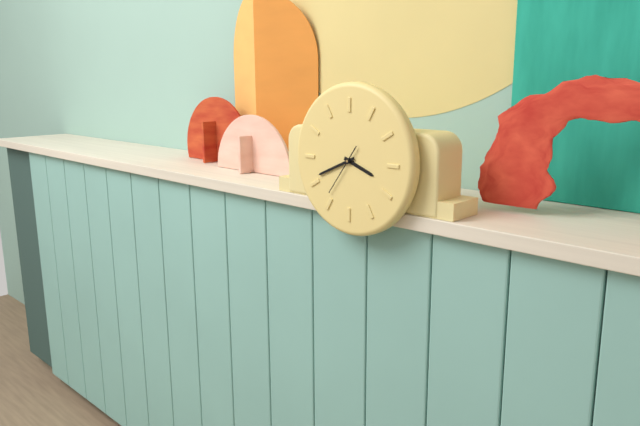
h=3 m=41
